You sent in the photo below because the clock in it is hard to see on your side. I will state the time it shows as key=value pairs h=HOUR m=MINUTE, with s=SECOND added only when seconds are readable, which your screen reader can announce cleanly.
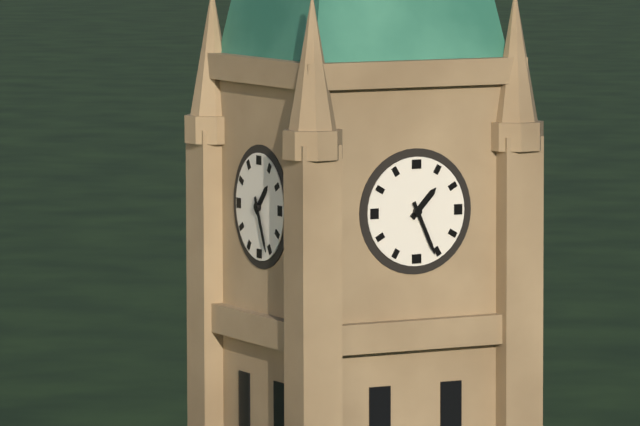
h=1 m=26
